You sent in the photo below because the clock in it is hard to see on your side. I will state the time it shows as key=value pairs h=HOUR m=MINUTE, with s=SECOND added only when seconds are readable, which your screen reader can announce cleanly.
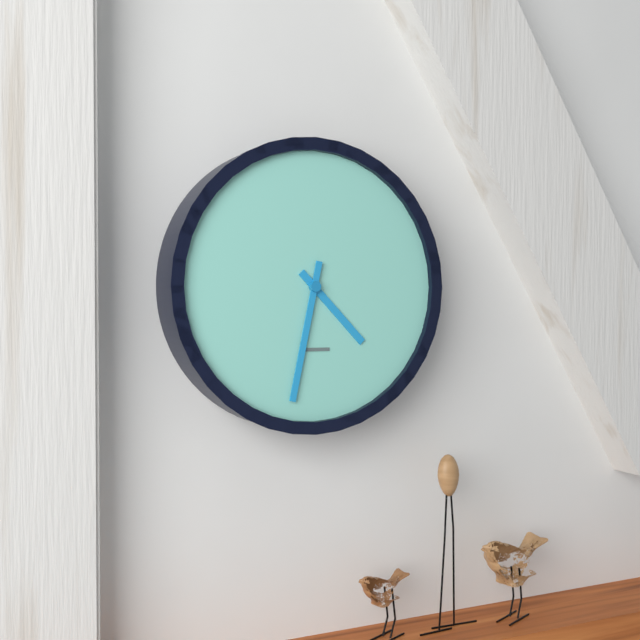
h=4 m=32
